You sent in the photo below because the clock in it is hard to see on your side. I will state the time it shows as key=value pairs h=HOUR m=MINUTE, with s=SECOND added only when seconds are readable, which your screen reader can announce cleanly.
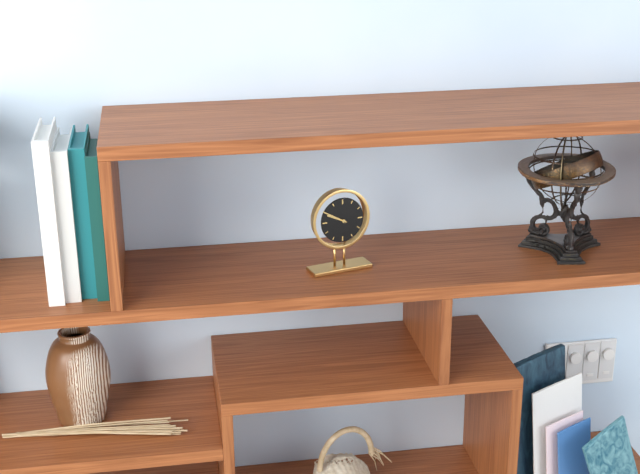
h=9 m=50
